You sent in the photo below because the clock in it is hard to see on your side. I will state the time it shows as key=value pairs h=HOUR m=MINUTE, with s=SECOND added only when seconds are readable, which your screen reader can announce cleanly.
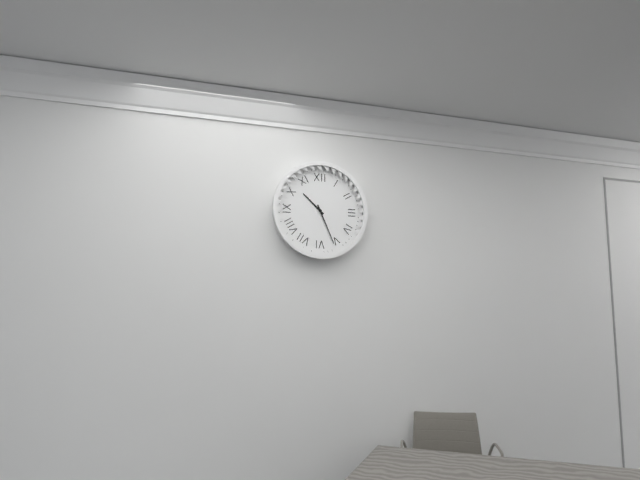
h=10 m=26
